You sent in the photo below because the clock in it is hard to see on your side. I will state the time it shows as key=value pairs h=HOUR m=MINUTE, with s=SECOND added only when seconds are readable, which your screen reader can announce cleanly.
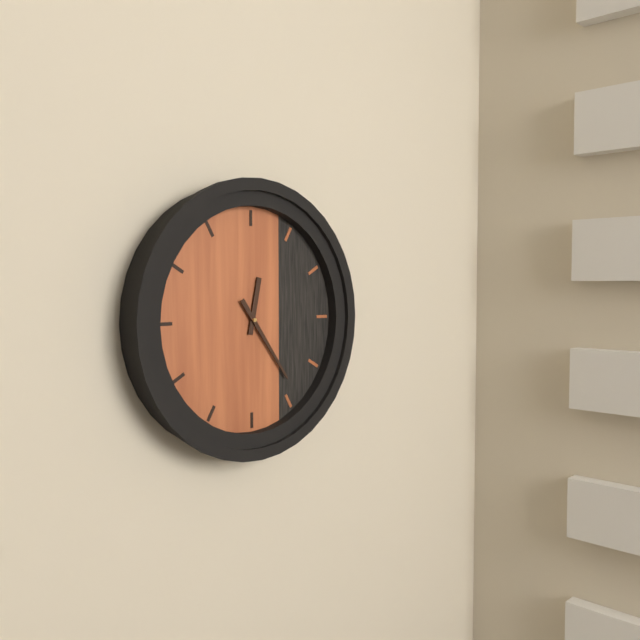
h=12 m=24
